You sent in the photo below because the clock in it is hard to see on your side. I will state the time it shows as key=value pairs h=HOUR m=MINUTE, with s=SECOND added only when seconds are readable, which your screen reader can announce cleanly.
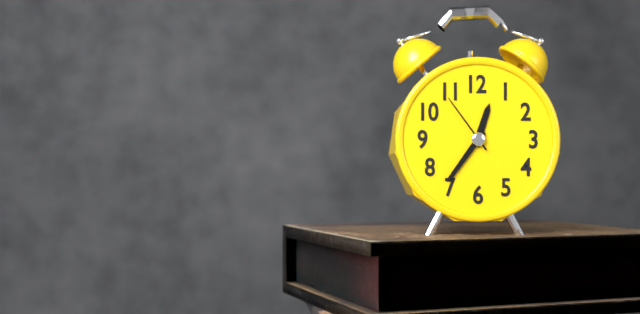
h=12 m=36 s=54
